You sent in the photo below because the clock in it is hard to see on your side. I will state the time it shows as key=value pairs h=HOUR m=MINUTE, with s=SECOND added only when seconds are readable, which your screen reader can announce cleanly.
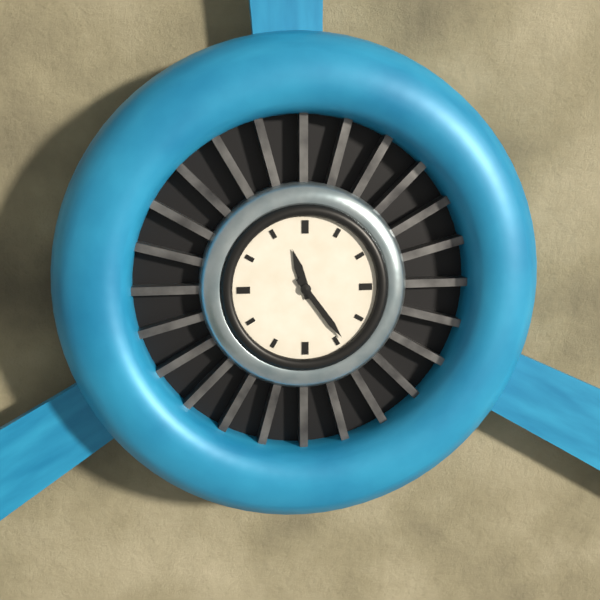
h=11 m=24
